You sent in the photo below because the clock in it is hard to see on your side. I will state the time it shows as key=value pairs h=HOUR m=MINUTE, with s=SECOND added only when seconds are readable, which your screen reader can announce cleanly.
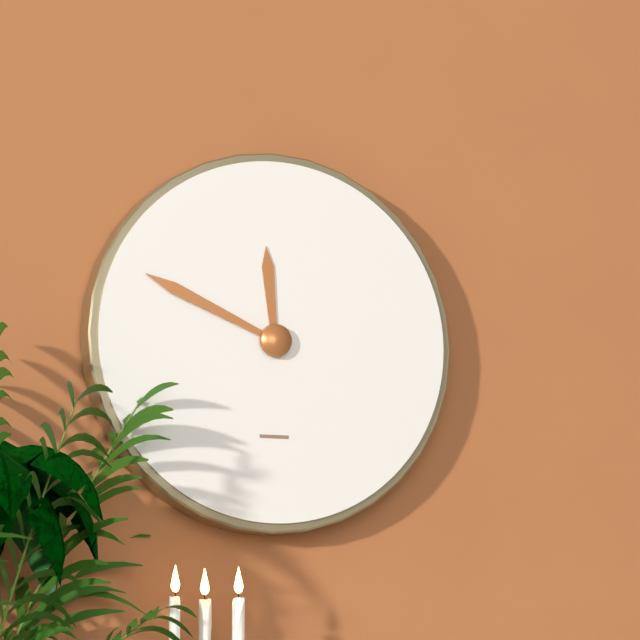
h=11 m=49
